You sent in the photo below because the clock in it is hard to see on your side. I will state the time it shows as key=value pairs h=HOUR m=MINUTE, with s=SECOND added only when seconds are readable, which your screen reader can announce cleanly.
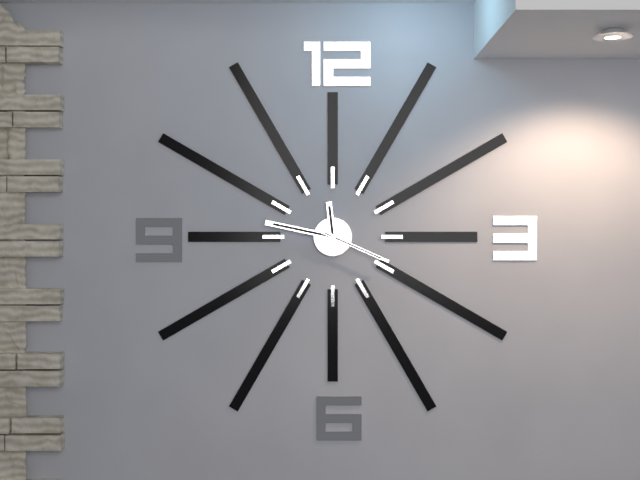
h=11 m=47 s=19
